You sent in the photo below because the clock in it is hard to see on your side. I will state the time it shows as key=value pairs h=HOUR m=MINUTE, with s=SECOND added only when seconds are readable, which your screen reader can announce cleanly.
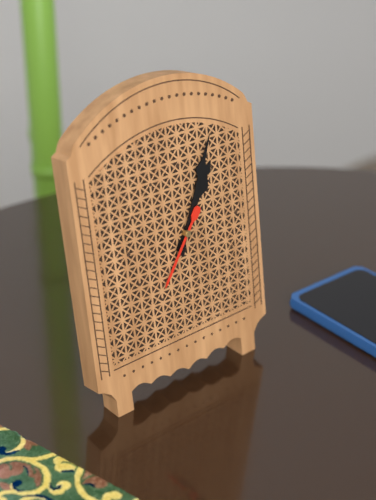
h=1 m=4 s=36
